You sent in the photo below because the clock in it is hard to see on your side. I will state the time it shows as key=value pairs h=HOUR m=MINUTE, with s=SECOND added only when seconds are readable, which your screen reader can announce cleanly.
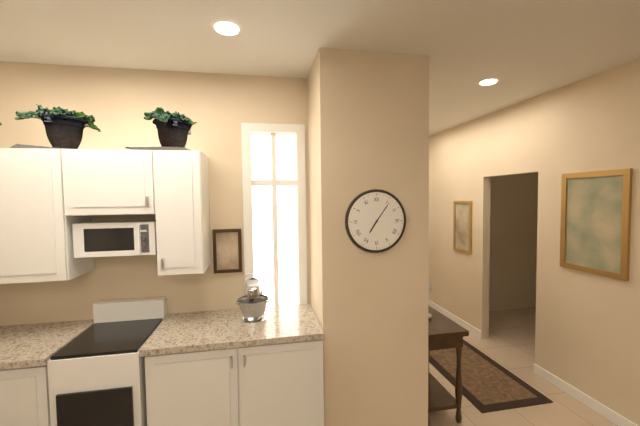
h=7 m=6
